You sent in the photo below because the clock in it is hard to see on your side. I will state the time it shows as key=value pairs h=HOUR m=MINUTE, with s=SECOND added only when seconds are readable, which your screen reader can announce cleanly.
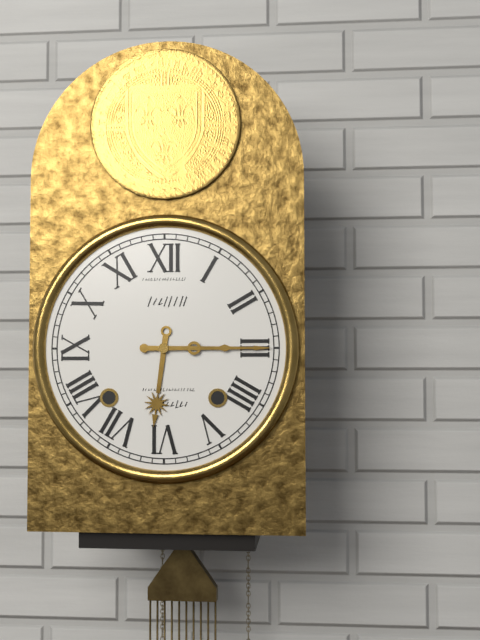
h=6 m=15
